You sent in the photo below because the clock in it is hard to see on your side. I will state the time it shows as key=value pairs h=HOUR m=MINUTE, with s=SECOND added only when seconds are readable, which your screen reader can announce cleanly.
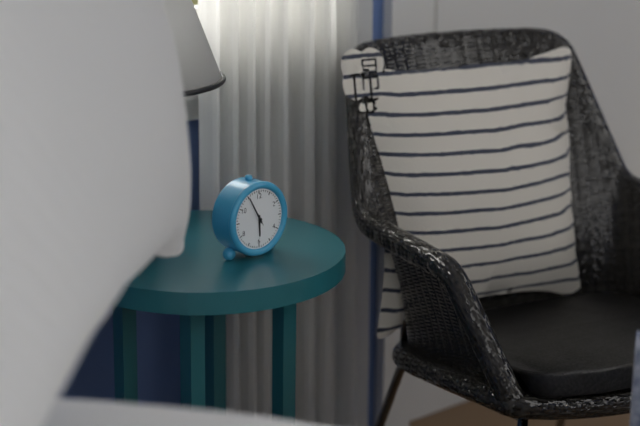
h=5 m=55
